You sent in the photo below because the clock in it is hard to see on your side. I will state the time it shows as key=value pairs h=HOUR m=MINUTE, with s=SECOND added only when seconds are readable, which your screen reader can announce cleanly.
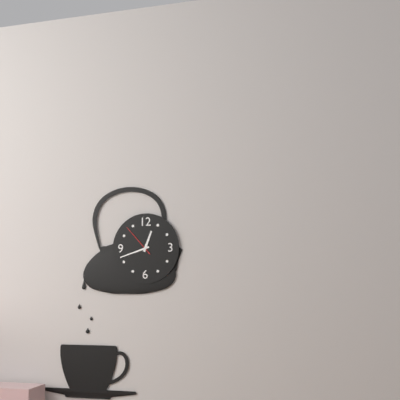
h=12 m=42
